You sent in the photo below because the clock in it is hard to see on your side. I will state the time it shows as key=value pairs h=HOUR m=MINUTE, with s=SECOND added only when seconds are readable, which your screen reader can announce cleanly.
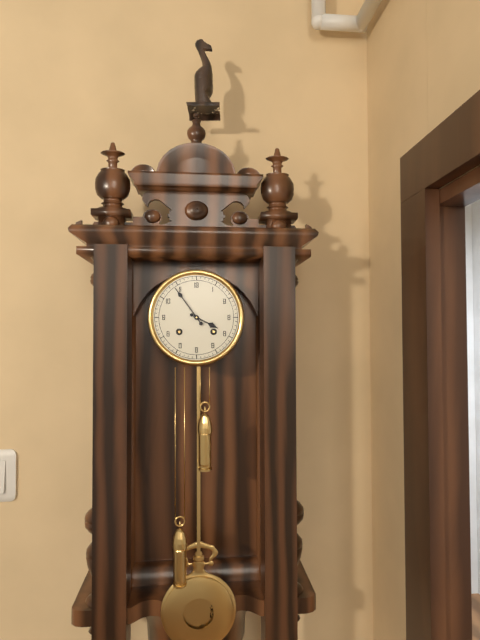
h=3 m=54
